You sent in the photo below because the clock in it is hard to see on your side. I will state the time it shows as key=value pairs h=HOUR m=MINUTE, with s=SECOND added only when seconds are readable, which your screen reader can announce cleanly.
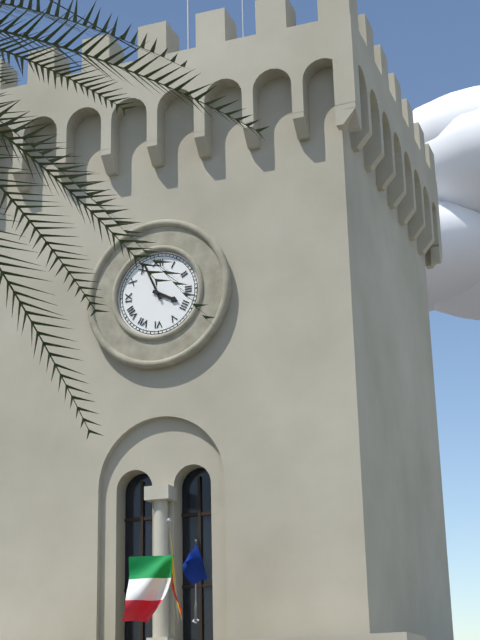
h=3 m=56
